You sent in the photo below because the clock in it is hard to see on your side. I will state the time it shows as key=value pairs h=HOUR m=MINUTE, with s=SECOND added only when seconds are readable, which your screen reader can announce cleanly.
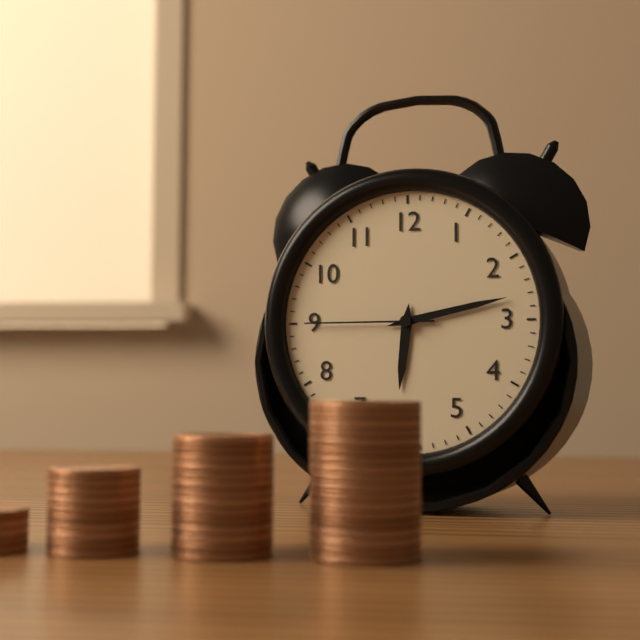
h=6 m=13 s=45
